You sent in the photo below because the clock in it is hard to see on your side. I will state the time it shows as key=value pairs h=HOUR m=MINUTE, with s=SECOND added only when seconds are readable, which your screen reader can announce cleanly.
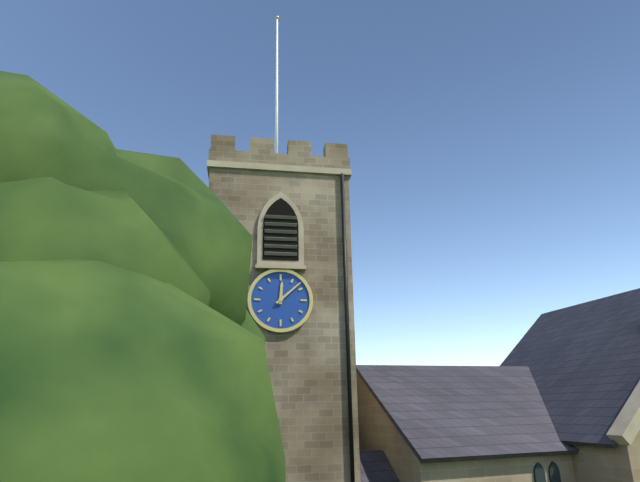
h=12 m=8
